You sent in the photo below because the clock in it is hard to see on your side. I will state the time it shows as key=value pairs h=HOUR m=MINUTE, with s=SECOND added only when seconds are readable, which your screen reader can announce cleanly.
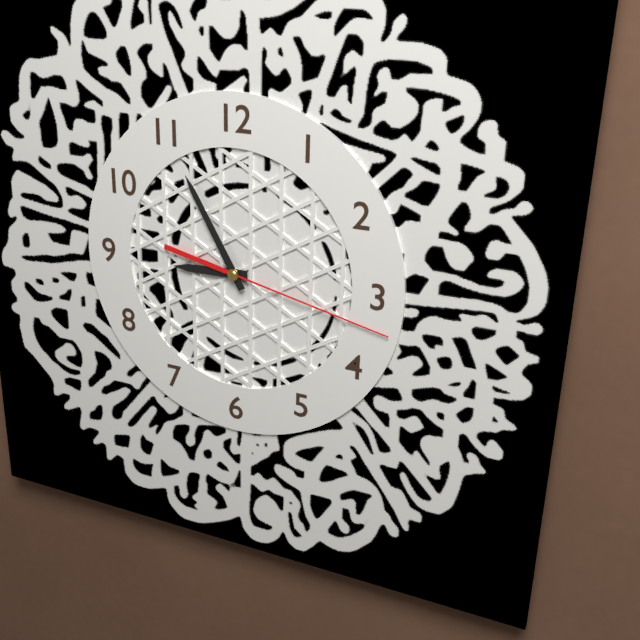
h=8 m=55 s=17
